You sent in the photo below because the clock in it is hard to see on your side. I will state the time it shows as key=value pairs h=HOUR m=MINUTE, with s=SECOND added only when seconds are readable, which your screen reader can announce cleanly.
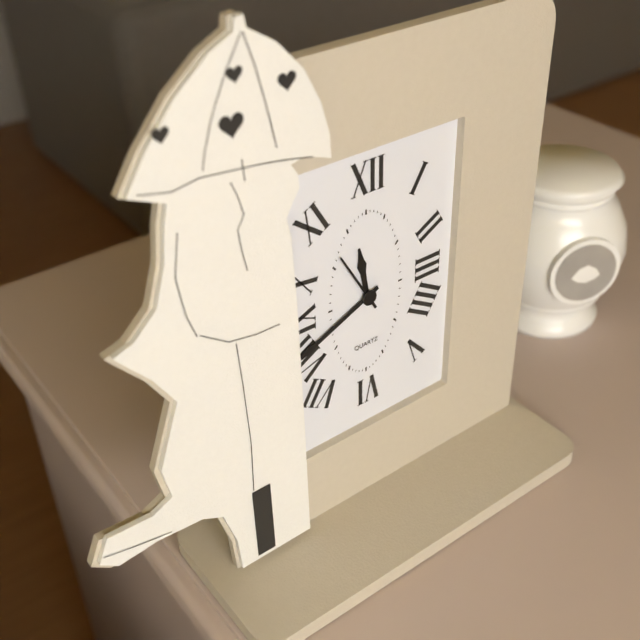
h=11 m=41 s=55
